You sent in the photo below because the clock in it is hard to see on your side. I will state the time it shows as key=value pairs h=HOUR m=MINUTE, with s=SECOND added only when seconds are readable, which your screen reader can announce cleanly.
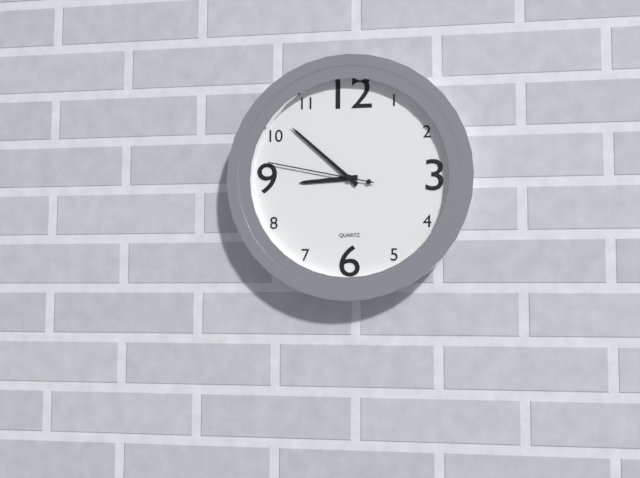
h=8 m=52 s=47
